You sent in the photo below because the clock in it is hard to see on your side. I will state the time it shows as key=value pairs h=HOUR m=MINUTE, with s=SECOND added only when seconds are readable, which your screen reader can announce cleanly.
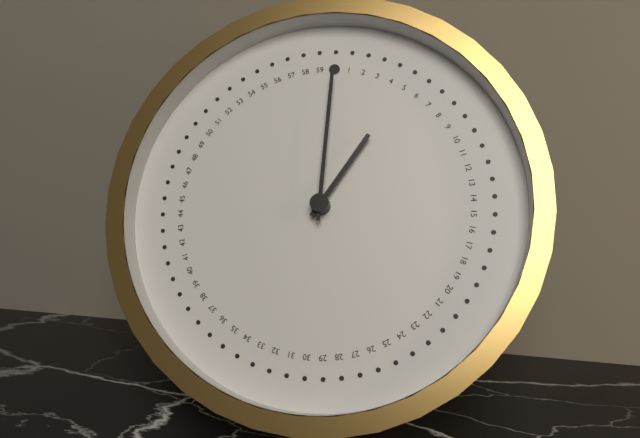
h=1 m=0
